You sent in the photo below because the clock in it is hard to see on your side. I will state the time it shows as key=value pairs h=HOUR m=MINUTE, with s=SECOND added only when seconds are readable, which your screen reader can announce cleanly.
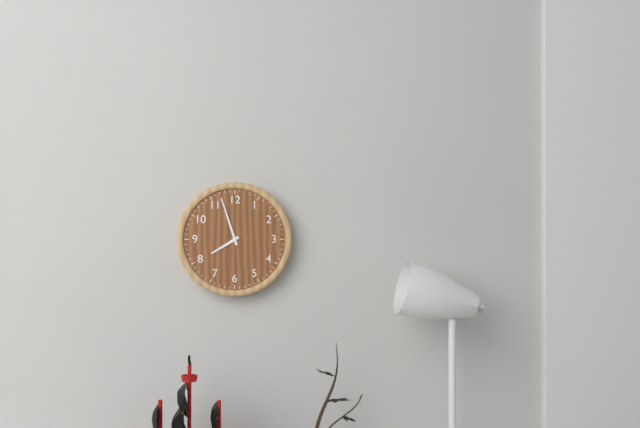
h=7 m=57
